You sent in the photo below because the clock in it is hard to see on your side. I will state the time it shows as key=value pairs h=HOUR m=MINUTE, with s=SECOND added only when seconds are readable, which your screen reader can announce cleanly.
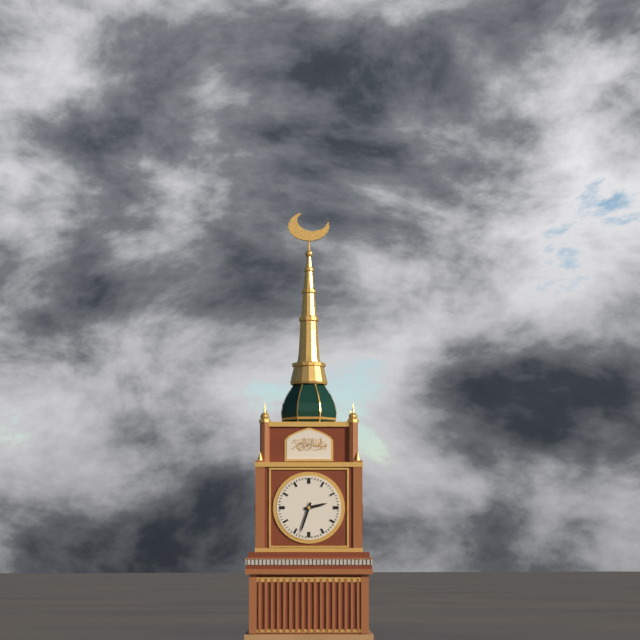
h=2 m=33
